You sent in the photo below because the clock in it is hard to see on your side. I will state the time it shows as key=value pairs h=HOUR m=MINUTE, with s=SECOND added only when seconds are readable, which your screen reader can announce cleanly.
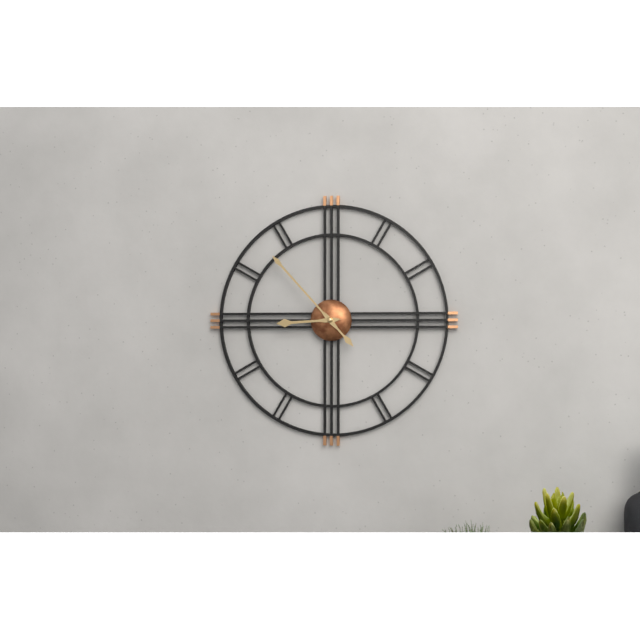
h=8 m=53
